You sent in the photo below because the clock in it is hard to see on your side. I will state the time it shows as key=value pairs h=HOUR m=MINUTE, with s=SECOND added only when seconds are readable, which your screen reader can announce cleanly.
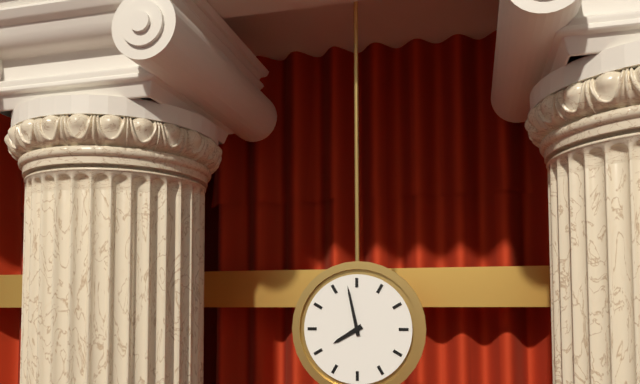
h=7 m=58
